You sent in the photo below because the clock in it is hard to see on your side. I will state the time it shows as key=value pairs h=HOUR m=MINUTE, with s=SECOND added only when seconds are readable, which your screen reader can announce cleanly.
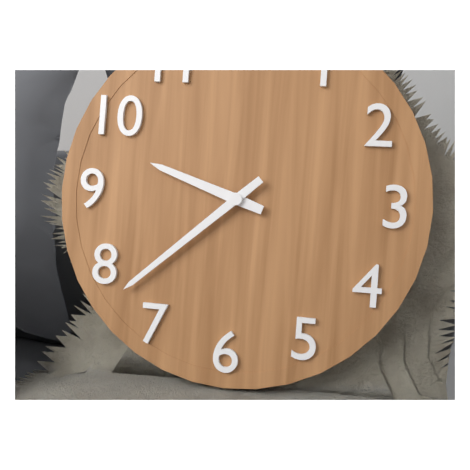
h=9 m=38
